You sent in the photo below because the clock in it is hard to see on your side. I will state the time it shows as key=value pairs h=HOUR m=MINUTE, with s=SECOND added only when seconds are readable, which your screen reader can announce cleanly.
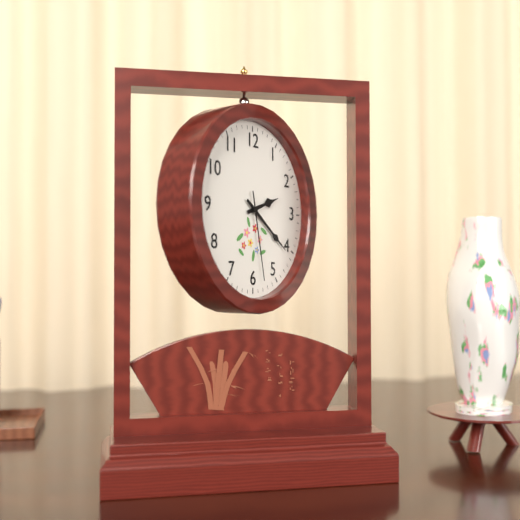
h=2 m=21 s=28
